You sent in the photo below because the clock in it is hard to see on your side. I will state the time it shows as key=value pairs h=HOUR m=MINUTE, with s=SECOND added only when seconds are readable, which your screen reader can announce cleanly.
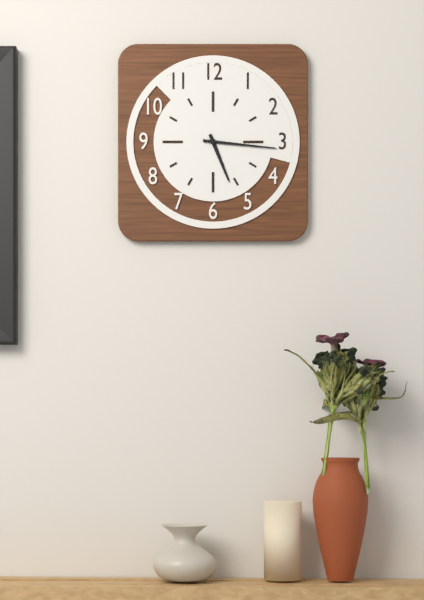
h=5 m=16
